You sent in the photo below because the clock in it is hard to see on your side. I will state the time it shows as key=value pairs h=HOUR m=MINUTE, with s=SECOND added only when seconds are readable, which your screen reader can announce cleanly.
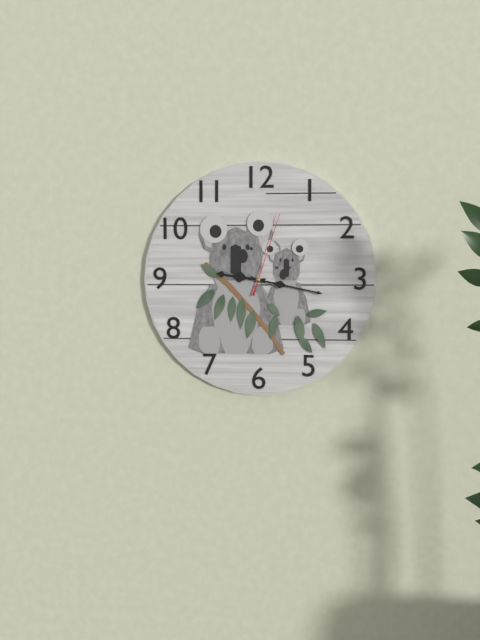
h=9 m=17 s=3
